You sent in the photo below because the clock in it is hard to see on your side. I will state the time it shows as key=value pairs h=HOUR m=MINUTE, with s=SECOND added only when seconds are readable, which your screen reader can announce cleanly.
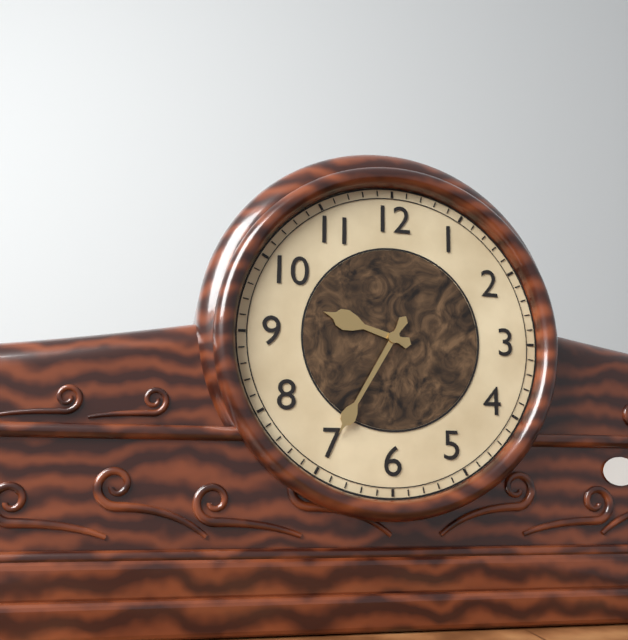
h=9 m=35
